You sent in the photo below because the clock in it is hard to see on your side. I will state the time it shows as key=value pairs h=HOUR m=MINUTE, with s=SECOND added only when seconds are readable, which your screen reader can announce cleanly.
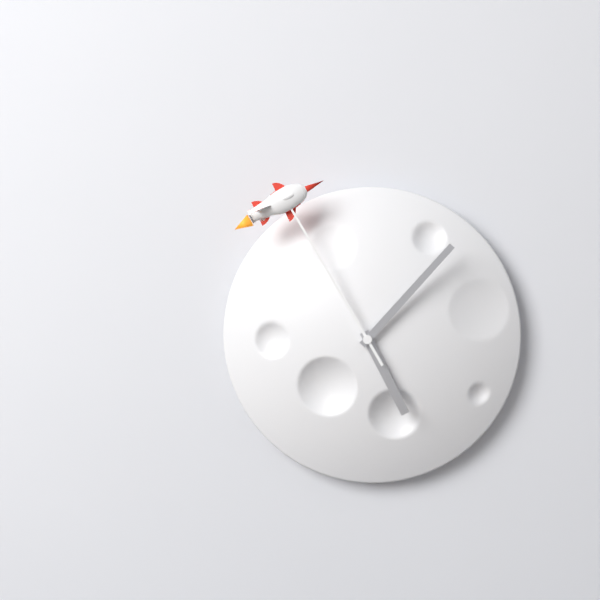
h=5 m=7 s=55
